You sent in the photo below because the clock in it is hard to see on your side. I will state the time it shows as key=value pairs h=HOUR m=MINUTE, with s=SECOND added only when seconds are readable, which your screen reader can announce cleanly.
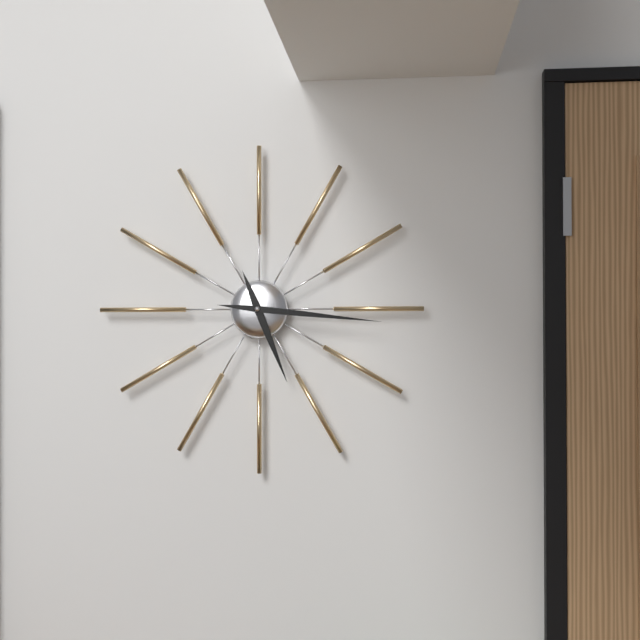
h=5 m=16
